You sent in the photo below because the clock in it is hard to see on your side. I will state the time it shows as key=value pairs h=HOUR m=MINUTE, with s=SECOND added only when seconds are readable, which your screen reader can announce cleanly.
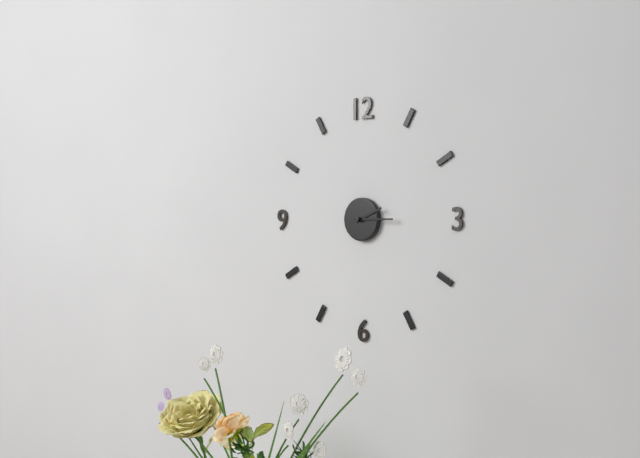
h=2 m=15
